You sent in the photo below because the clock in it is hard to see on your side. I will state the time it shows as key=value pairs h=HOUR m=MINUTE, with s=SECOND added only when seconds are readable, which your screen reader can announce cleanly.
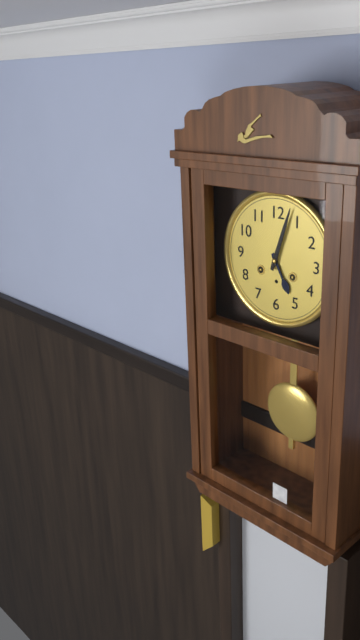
h=5 m=3
